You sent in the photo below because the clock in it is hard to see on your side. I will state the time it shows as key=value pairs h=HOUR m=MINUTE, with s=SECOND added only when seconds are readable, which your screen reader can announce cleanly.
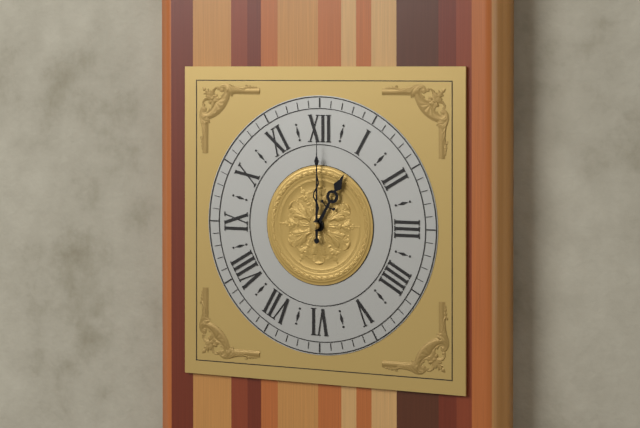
h=1 m=0
